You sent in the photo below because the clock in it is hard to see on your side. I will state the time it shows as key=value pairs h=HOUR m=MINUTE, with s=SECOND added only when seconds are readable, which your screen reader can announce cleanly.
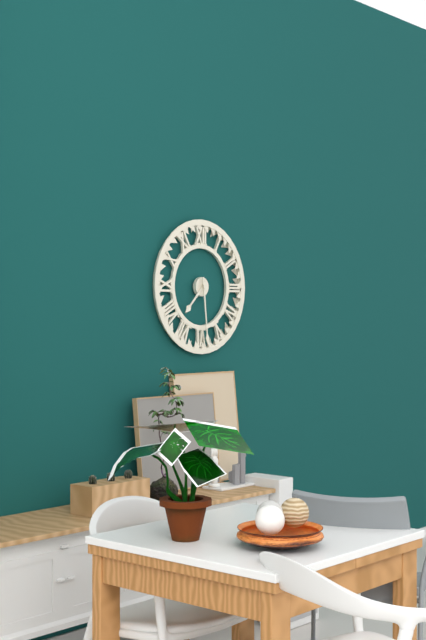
h=7 m=29
